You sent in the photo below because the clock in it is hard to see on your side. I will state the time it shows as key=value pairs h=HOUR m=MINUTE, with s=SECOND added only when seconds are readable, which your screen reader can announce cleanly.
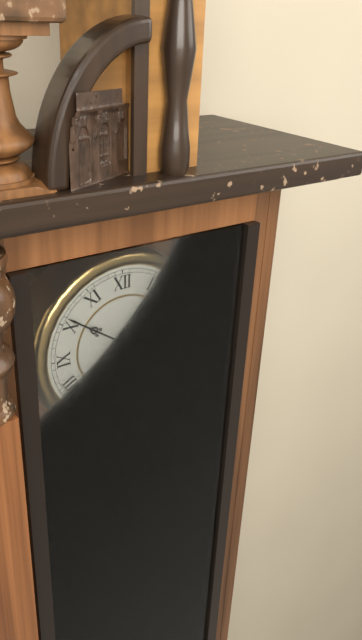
h=5 m=51
